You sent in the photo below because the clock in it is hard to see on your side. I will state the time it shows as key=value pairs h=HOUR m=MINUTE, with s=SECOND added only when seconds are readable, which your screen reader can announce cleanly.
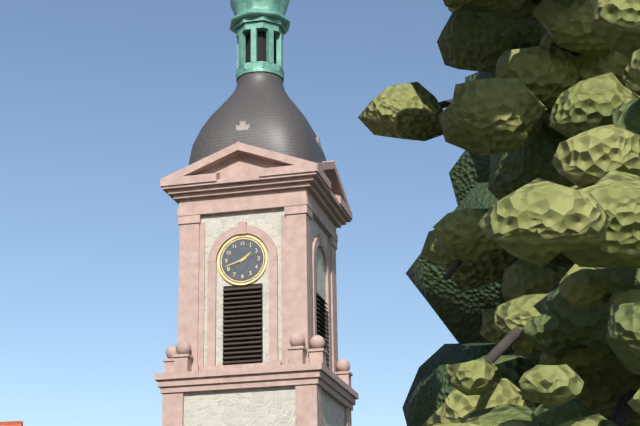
h=1 m=42
